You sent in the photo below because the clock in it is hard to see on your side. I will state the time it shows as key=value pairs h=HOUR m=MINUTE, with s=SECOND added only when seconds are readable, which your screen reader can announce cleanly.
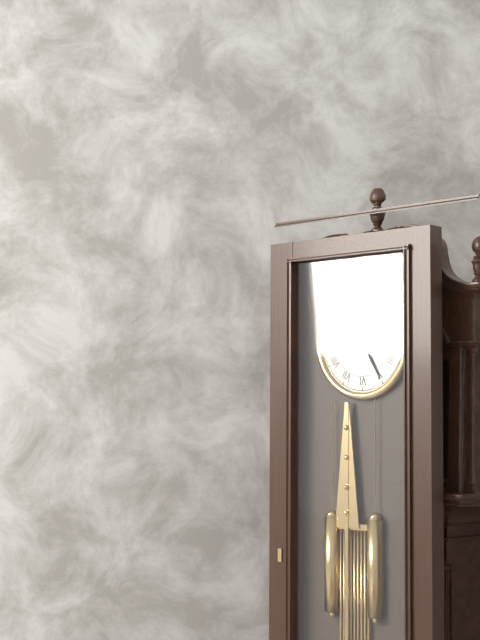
h=2 m=25
